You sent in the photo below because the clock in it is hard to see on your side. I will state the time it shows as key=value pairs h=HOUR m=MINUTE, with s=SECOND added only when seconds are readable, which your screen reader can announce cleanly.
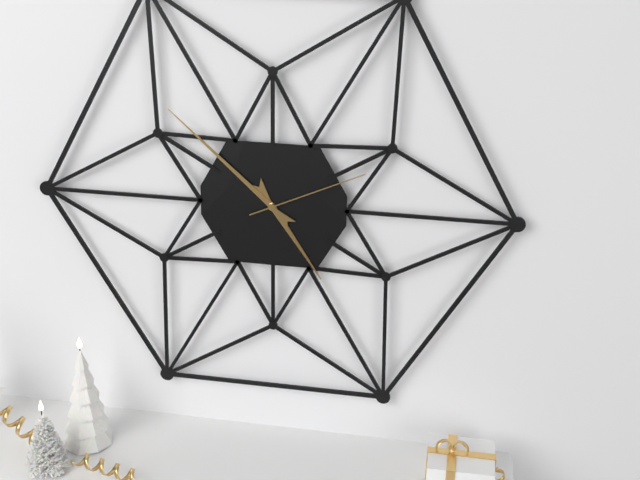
h=4 m=52 s=11
